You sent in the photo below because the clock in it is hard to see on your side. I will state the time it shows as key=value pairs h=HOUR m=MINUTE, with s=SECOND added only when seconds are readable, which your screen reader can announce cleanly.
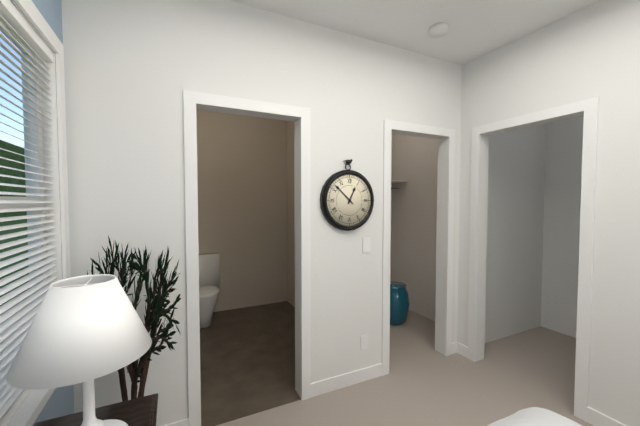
h=12 m=52
